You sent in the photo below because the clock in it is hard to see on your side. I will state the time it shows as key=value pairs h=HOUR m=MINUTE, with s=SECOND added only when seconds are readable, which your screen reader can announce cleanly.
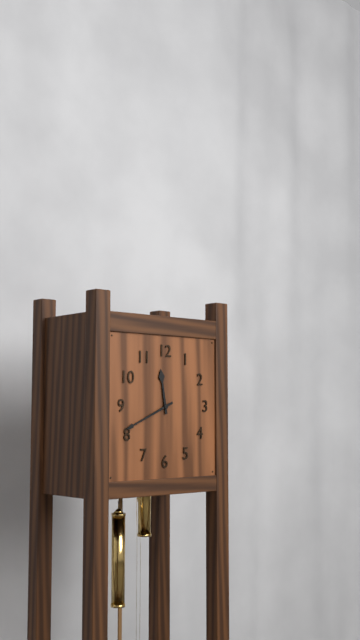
h=11 m=41
